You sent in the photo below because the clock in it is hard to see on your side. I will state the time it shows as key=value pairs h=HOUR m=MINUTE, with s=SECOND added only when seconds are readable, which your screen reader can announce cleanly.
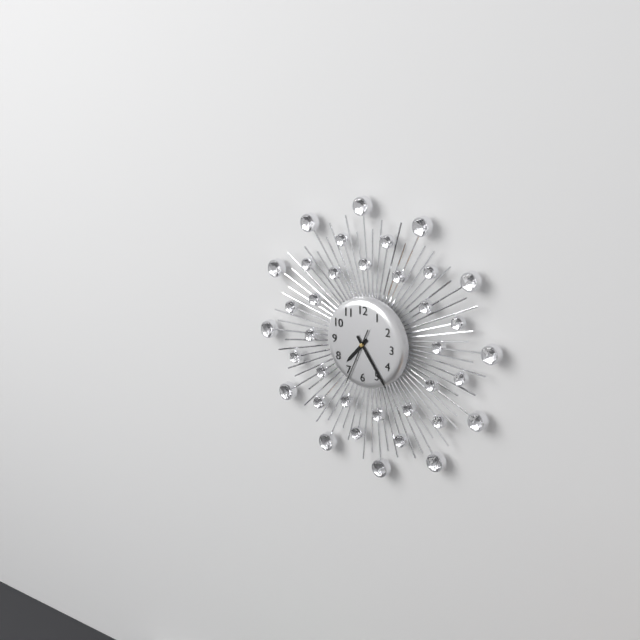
h=7 m=24 s=34
